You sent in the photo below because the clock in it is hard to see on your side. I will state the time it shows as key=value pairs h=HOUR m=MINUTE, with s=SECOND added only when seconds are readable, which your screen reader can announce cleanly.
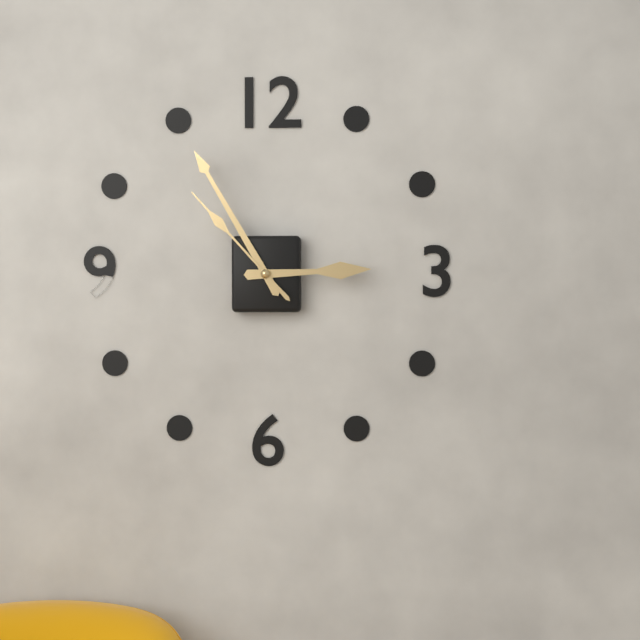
h=2 m=55 s=53
